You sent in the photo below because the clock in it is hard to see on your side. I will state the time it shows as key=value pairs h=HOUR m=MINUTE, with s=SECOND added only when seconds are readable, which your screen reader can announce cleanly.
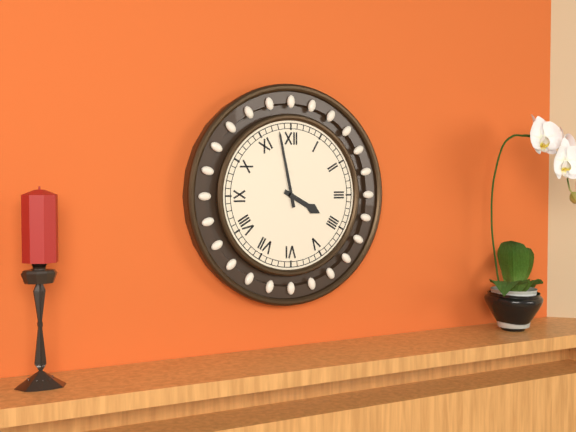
h=3 m=58
